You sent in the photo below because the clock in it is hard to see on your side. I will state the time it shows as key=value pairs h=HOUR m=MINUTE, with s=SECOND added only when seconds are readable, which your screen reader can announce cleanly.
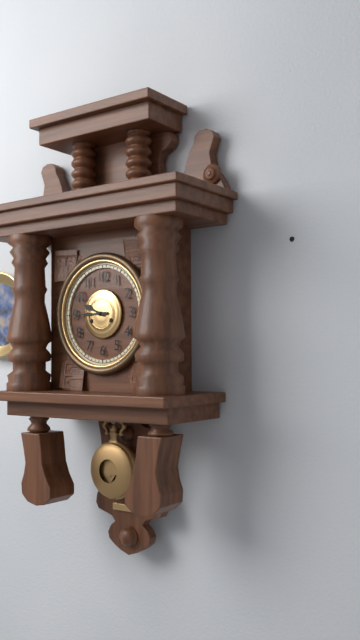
h=9 m=45
